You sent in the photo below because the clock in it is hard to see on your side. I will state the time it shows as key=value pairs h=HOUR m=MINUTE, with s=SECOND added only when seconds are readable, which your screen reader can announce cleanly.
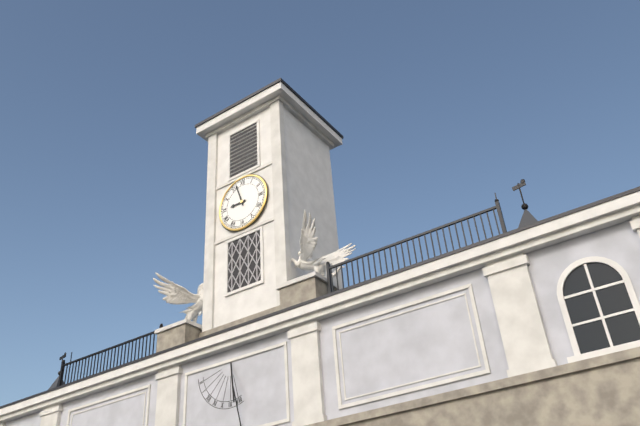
h=8 m=57
